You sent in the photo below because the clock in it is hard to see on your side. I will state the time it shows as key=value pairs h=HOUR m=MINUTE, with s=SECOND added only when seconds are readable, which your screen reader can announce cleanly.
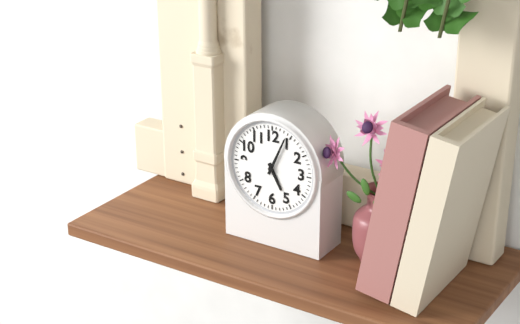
h=5 m=4
